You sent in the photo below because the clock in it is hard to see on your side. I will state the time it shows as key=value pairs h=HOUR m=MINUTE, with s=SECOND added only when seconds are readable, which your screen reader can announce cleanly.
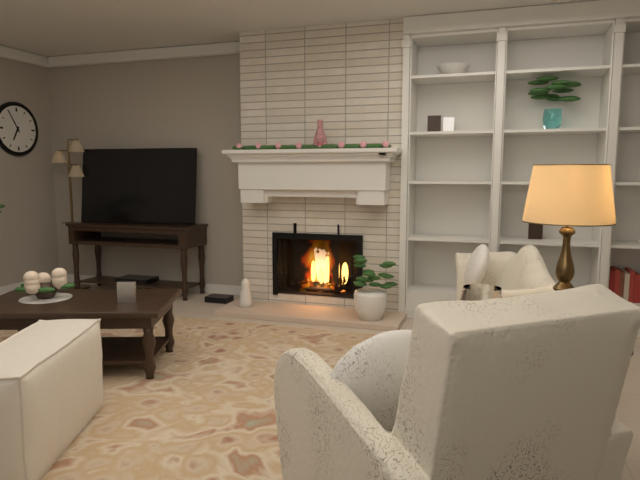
h=6 m=55
